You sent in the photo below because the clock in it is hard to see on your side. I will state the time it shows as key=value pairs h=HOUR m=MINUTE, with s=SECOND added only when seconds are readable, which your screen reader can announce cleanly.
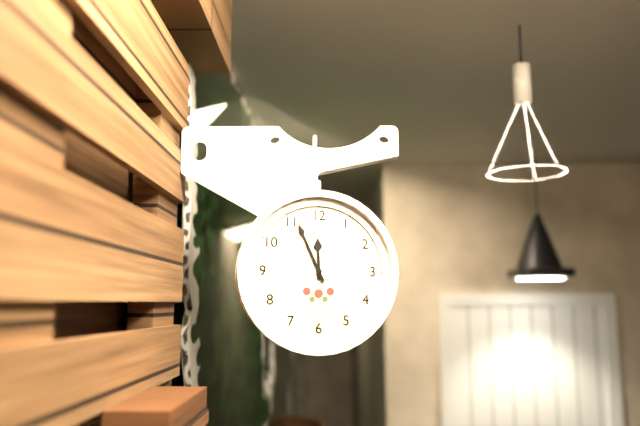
h=11 m=56
